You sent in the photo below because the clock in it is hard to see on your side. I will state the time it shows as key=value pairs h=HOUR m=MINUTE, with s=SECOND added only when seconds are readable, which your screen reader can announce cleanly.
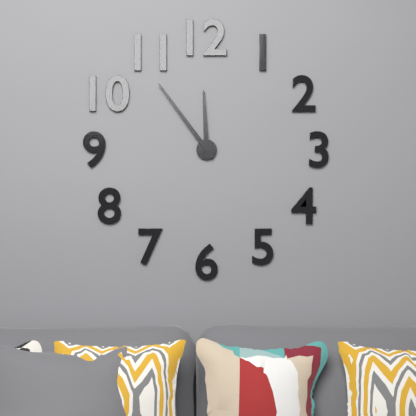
h=11 m=54
